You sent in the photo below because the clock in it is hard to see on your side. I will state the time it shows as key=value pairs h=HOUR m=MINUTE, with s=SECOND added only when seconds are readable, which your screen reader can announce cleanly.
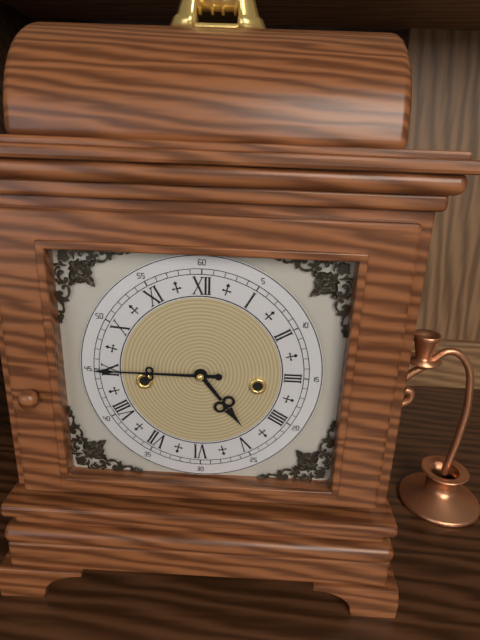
h=4 m=45
